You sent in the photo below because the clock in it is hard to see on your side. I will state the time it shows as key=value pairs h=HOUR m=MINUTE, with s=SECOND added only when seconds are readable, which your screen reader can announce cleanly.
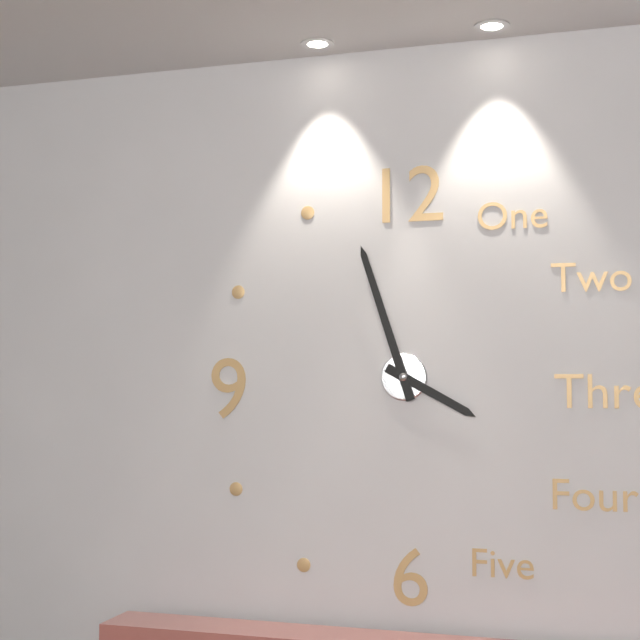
h=3 m=57
